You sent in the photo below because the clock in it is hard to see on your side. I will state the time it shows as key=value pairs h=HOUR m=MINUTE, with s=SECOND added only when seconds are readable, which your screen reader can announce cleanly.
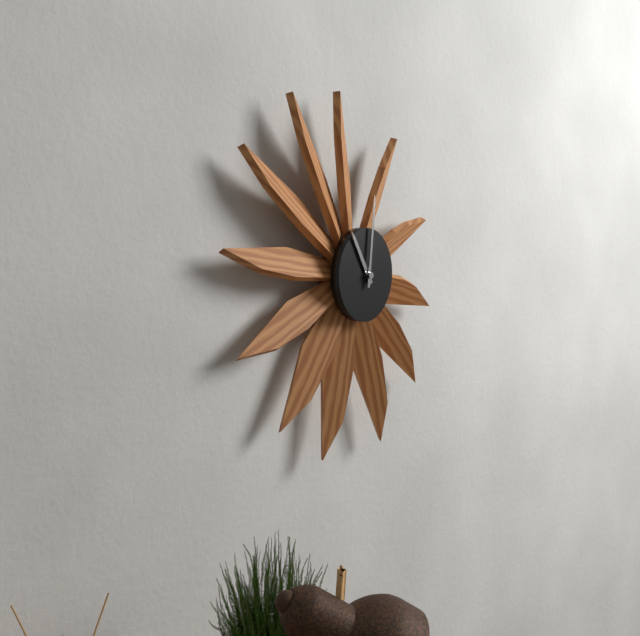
h=11 m=1
